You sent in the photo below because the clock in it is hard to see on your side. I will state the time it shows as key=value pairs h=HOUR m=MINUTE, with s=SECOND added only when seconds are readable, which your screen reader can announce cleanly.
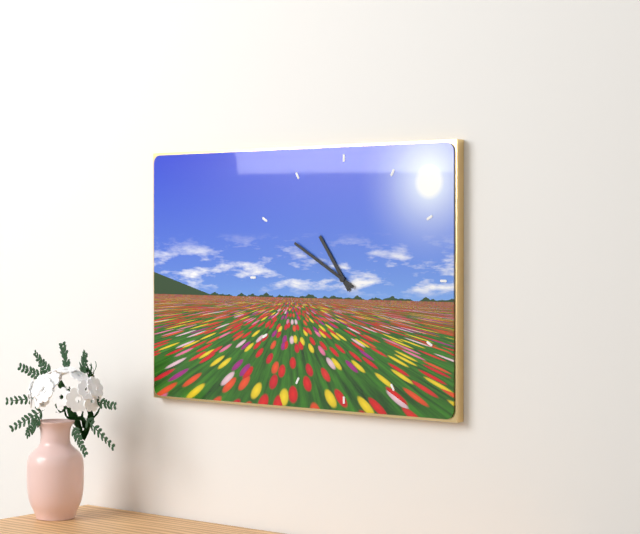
h=10 m=50
